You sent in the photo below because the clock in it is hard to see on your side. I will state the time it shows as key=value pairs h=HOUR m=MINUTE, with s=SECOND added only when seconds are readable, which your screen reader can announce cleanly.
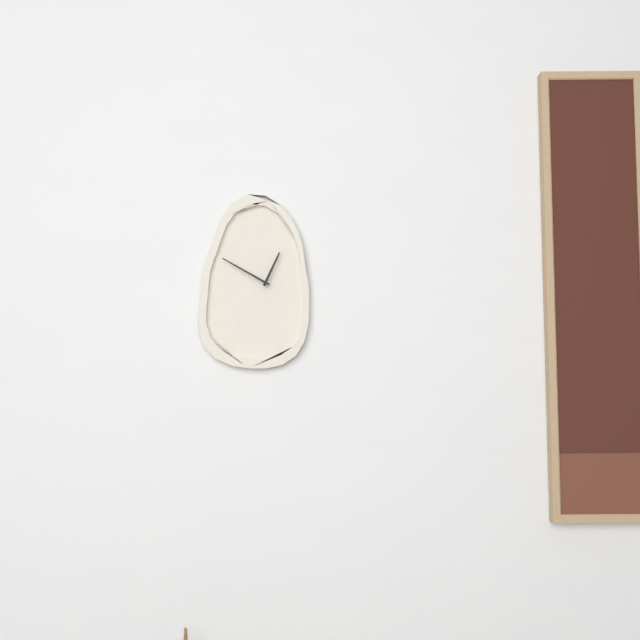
h=12 m=50
